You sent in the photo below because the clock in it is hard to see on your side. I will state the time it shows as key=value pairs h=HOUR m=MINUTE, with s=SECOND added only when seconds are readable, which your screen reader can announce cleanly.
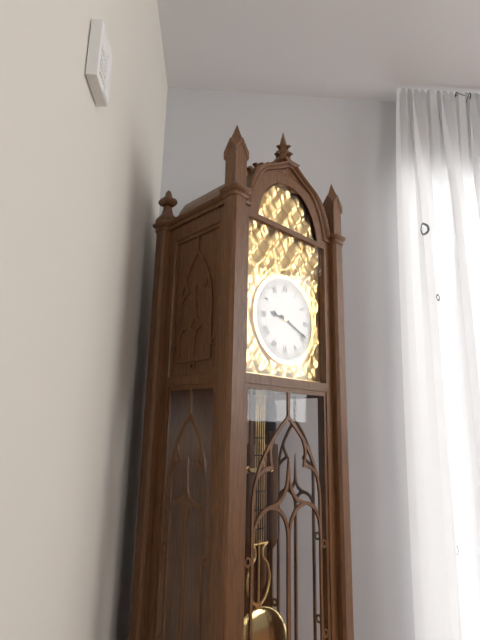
h=9 m=19
